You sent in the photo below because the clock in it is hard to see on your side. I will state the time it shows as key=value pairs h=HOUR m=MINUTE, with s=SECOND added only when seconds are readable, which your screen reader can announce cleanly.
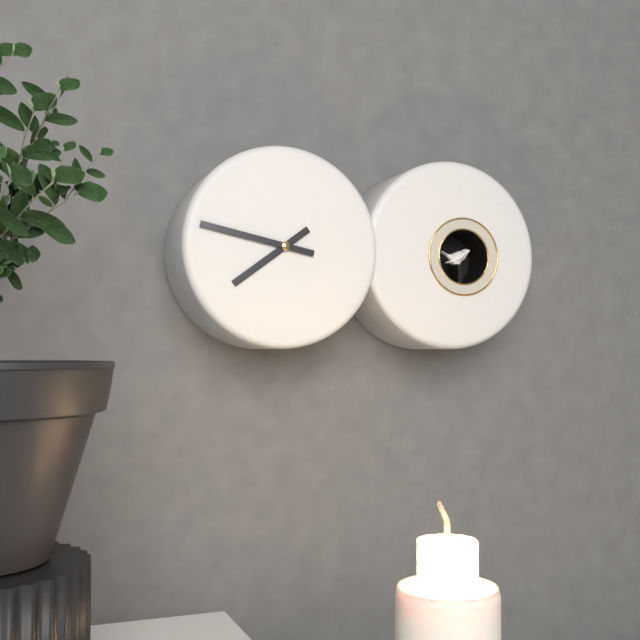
h=7 m=47
